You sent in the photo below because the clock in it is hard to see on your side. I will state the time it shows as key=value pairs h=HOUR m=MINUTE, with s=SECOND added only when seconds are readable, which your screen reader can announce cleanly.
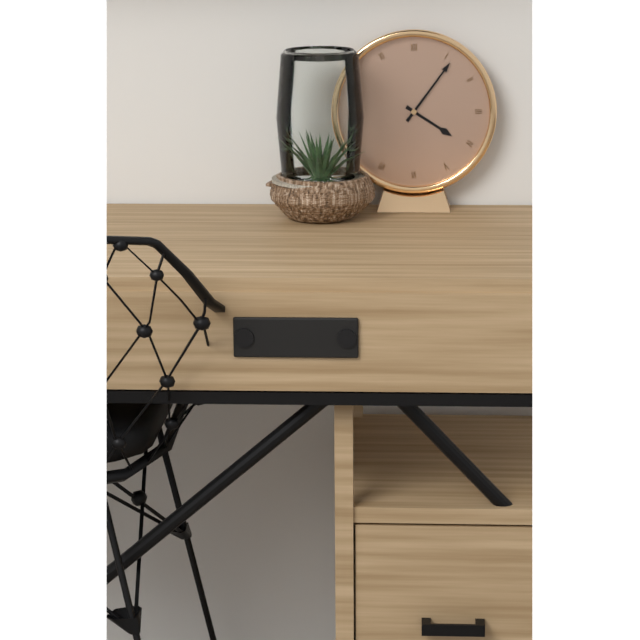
h=4 m=6
